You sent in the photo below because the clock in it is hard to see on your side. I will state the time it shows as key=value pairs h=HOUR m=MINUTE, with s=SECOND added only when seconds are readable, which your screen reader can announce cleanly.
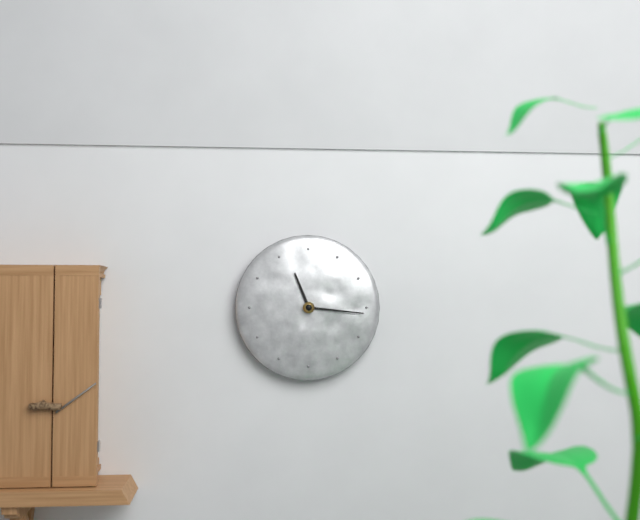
h=11 m=16
